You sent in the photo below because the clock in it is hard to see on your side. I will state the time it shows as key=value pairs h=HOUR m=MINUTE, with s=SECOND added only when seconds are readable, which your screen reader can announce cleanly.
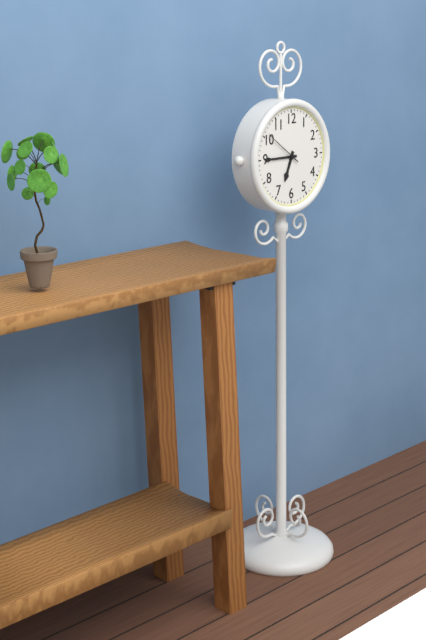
h=6 m=45
